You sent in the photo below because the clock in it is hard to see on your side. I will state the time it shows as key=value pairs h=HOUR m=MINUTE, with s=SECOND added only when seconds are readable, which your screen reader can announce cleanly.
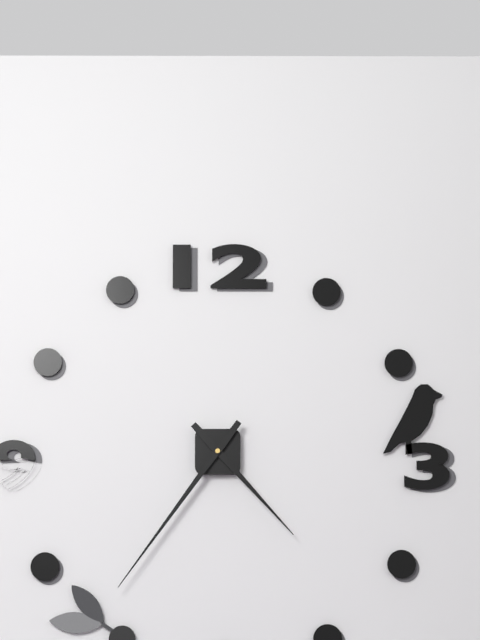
h=4 m=36
